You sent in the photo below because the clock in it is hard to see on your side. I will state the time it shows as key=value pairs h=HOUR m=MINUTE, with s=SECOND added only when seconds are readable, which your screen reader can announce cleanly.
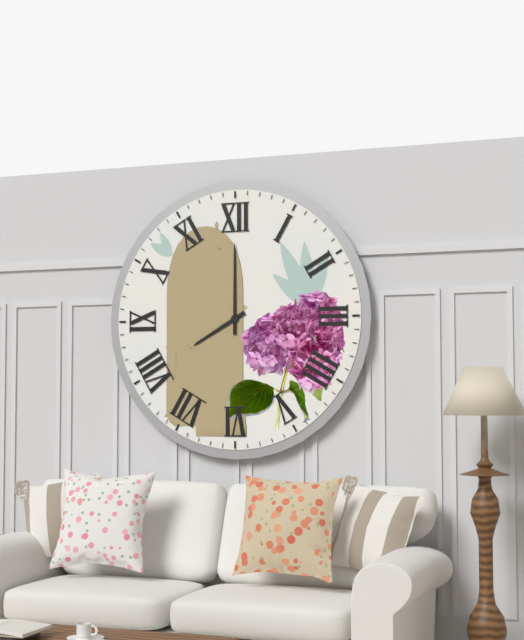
h=8 m=0
